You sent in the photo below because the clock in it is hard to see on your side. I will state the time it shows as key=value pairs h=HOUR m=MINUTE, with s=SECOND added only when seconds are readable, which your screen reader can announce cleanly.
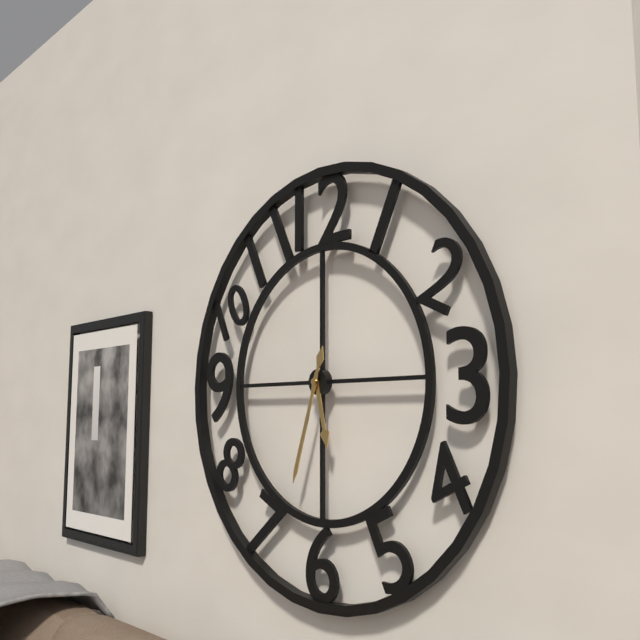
h=5 m=33
